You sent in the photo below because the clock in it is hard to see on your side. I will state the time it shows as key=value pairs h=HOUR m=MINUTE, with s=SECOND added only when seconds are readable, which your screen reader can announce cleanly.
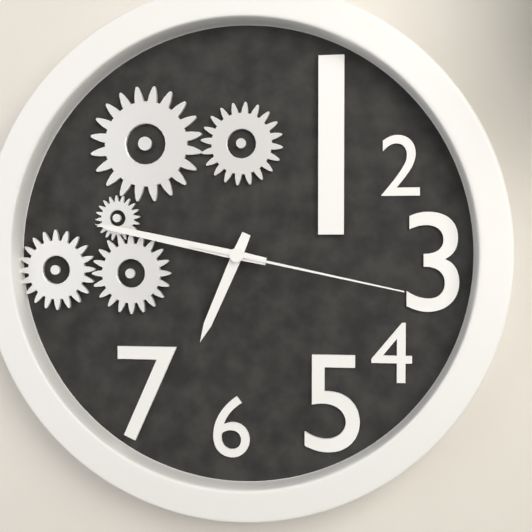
h=6 m=47 s=17
